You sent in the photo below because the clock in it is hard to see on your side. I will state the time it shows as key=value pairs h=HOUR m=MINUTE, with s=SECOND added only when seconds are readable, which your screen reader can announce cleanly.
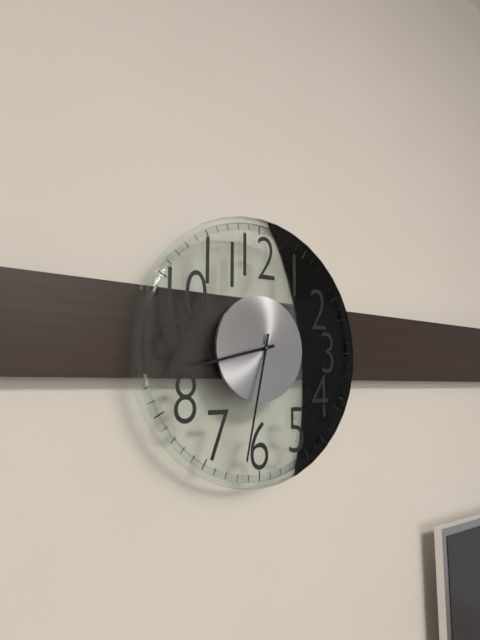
h=8 m=32
